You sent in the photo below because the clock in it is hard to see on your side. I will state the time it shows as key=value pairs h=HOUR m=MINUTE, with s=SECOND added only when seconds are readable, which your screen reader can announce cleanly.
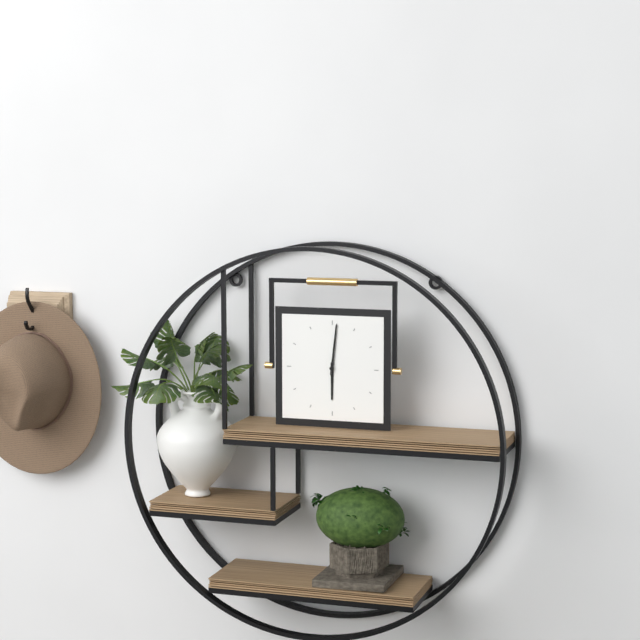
h=6 m=1
